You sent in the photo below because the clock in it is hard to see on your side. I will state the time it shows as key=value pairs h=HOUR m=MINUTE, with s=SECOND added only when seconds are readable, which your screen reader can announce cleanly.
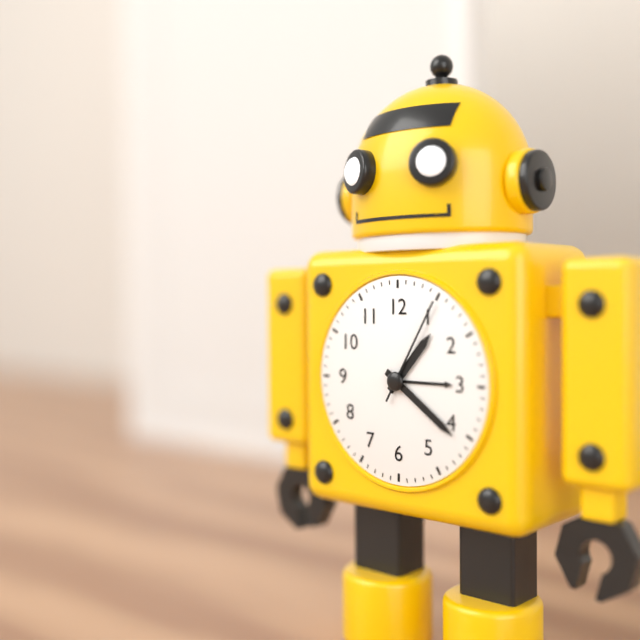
h=1 m=21 s=5
